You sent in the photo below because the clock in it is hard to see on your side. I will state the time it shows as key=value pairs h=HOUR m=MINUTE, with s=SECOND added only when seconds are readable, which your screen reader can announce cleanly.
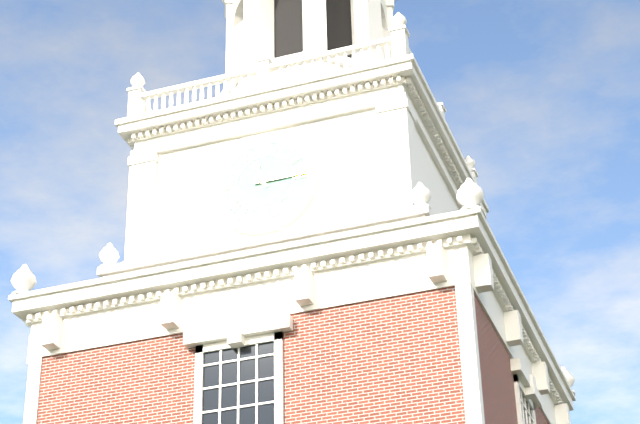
h=11 m=15
